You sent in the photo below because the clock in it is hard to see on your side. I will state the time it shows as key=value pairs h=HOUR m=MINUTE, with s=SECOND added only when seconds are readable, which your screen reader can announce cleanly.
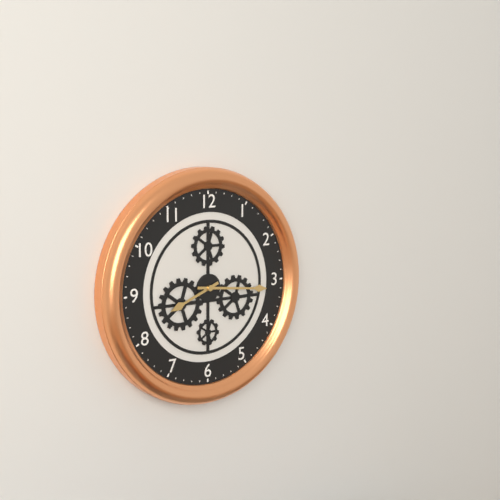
h=8 m=16
